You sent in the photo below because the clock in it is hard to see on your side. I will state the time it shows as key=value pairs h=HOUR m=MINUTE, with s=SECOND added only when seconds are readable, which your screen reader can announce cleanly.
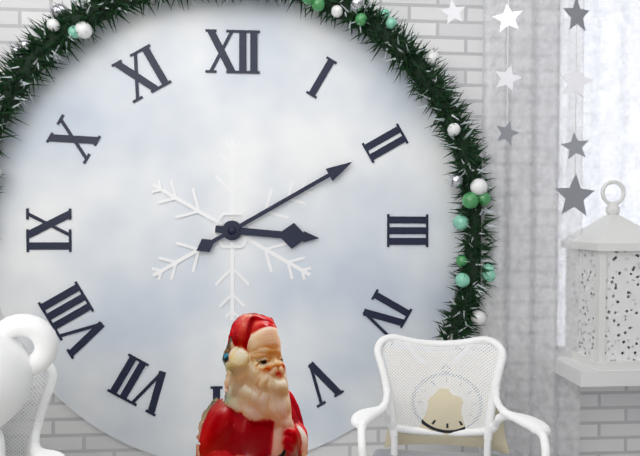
h=3 m=10
